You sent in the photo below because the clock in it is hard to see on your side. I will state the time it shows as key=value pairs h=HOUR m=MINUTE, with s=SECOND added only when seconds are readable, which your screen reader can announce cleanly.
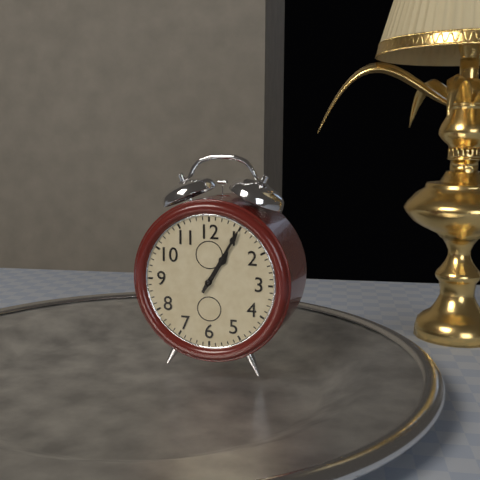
h=1 m=5
